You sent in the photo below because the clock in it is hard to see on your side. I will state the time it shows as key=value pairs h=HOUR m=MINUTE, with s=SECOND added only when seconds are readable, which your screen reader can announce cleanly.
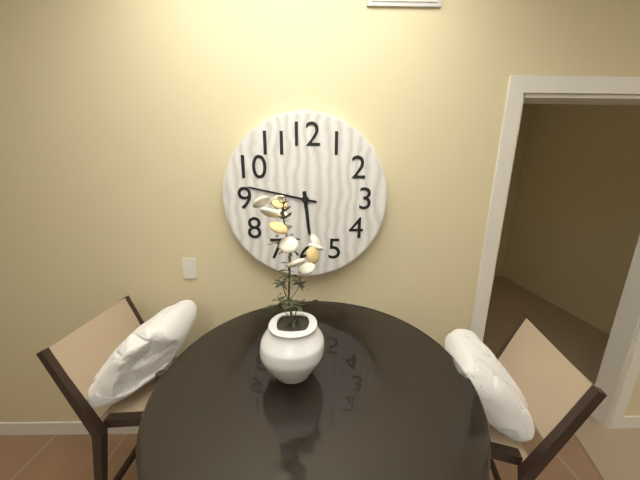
h=5 m=47
